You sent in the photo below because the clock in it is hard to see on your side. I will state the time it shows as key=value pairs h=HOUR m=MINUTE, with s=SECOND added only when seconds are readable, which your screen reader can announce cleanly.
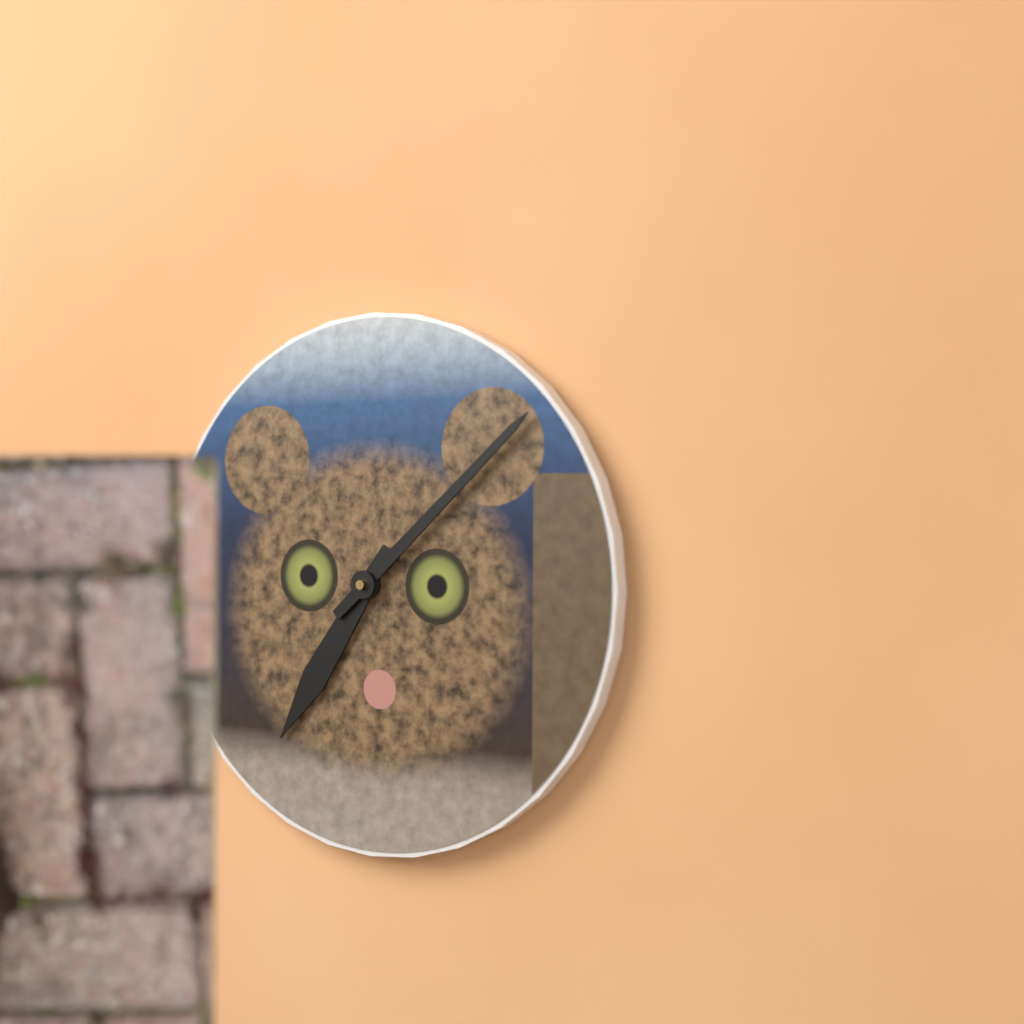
h=7 m=8
